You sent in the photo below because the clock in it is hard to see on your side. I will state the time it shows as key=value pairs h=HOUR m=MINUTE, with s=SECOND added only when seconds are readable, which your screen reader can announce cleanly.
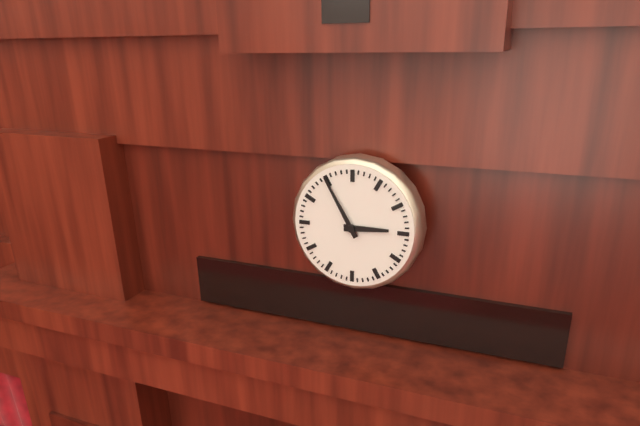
h=2 m=55
